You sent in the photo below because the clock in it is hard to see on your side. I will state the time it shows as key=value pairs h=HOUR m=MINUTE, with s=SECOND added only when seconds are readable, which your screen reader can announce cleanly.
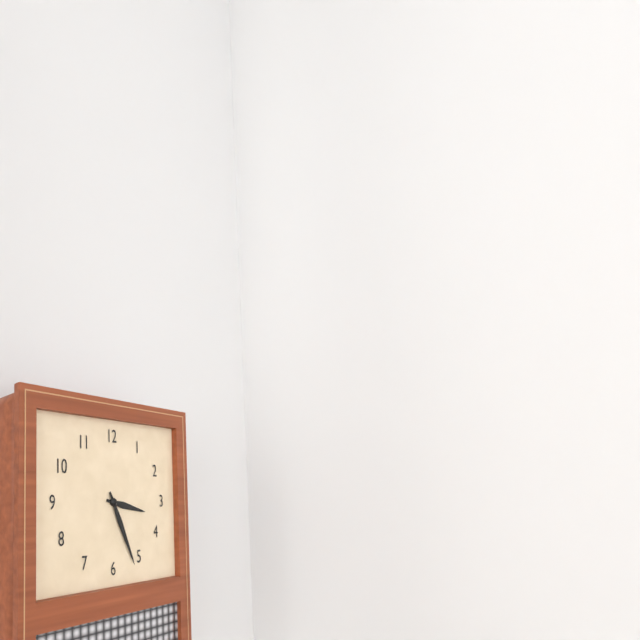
h=3 m=26
